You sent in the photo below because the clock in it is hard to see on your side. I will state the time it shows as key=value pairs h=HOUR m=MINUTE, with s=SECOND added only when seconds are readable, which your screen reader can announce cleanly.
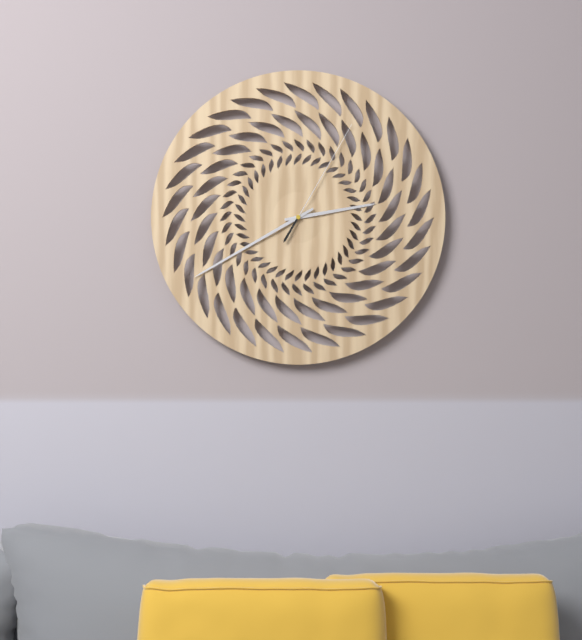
h=2 m=40 s=5
